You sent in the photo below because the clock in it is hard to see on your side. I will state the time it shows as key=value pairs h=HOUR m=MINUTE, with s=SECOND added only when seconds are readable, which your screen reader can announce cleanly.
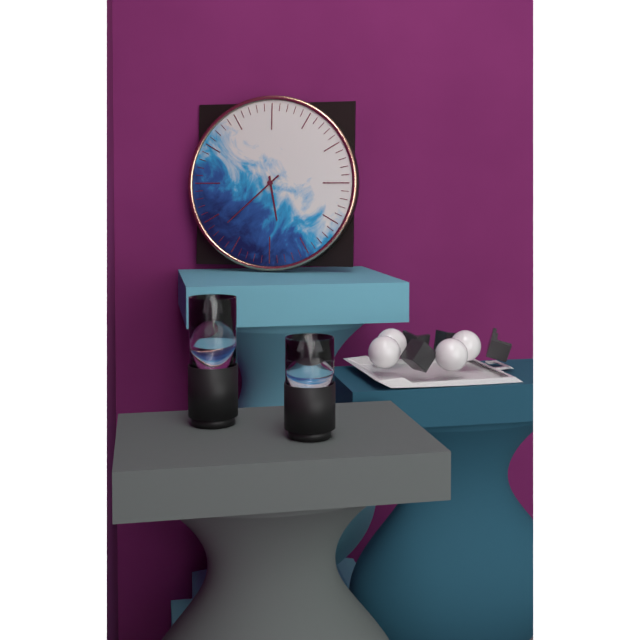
h=5 m=38
